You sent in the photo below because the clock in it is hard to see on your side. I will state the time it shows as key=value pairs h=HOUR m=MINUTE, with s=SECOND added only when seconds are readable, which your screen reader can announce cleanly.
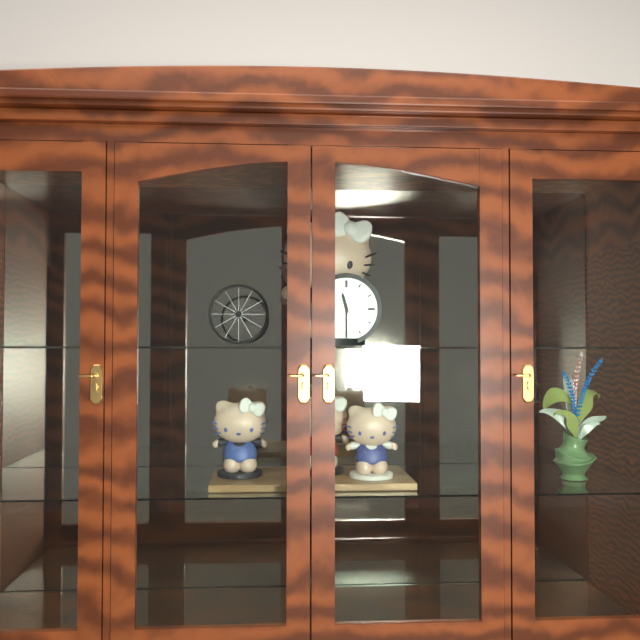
h=11 m=30
